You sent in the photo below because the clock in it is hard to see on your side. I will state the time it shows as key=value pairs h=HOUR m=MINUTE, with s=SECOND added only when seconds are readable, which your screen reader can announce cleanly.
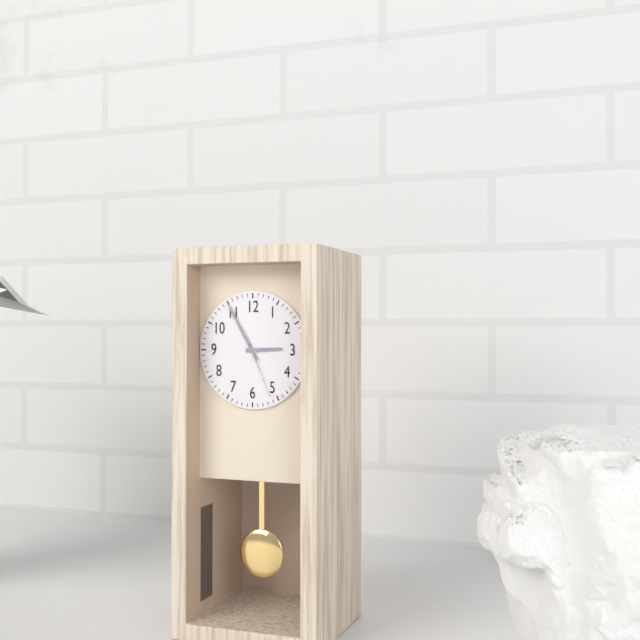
h=2 m=55 s=26
